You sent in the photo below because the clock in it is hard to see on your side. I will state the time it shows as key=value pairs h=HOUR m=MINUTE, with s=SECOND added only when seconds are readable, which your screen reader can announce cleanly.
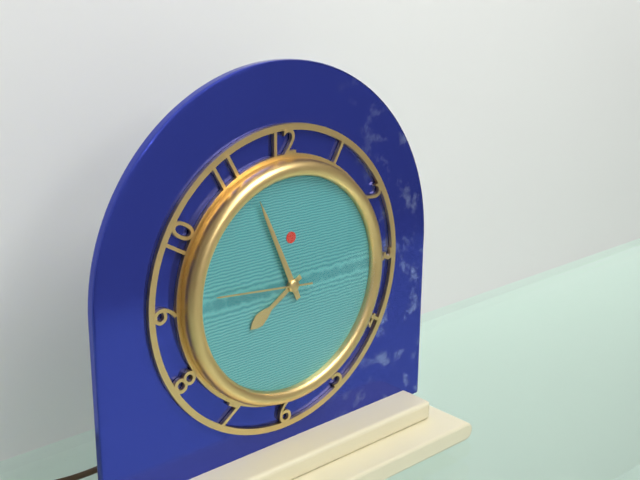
h=7 m=56 s=46
